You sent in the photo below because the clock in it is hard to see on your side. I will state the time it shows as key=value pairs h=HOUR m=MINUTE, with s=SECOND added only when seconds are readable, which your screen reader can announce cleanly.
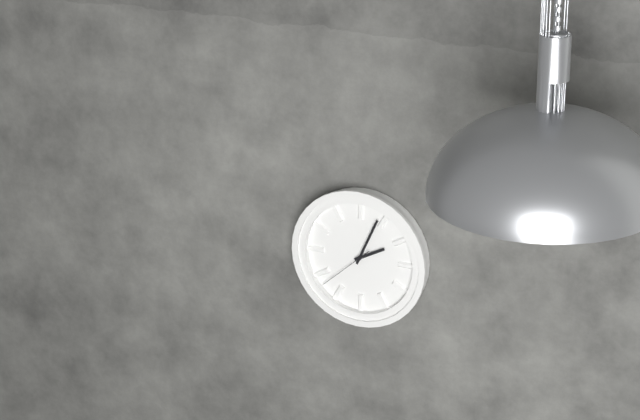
h=2 m=4 s=38
